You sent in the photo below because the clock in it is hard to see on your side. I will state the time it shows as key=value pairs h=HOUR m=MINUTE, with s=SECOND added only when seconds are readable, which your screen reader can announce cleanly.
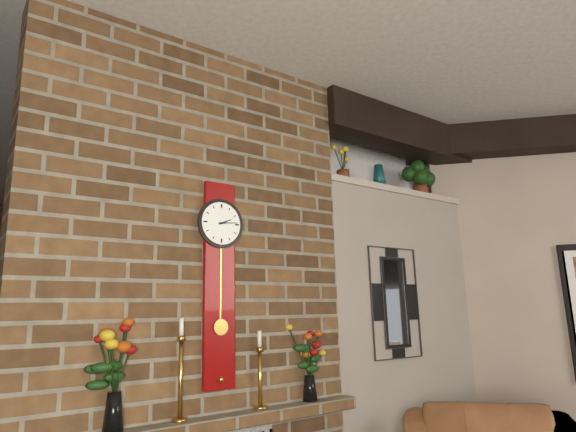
h=2 m=14
